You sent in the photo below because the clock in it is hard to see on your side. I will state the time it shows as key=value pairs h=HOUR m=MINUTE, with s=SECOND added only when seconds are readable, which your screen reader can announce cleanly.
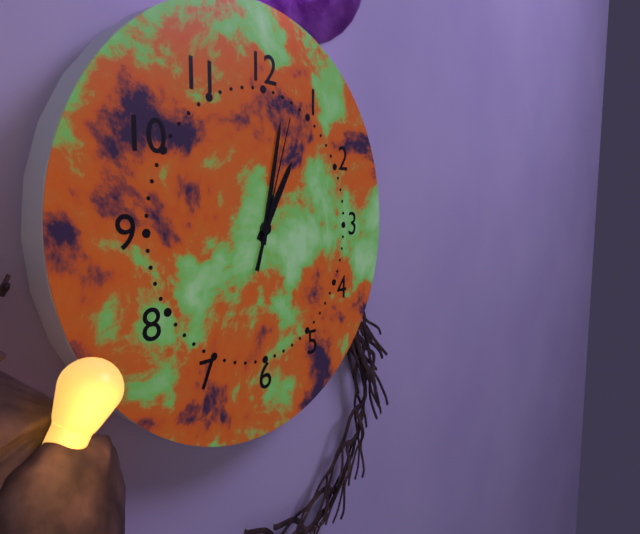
h=1 m=2 s=3
